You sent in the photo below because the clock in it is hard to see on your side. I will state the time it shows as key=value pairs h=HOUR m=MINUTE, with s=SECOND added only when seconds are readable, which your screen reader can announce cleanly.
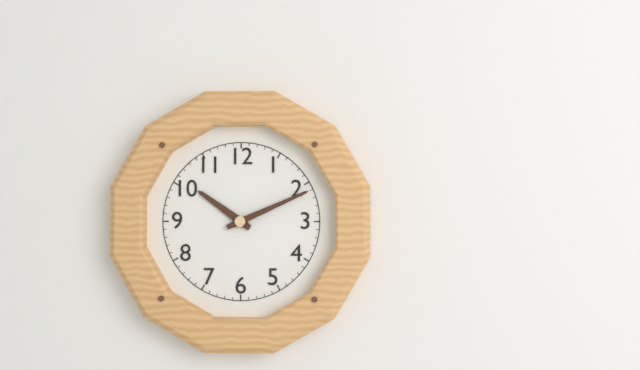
h=10 m=11
